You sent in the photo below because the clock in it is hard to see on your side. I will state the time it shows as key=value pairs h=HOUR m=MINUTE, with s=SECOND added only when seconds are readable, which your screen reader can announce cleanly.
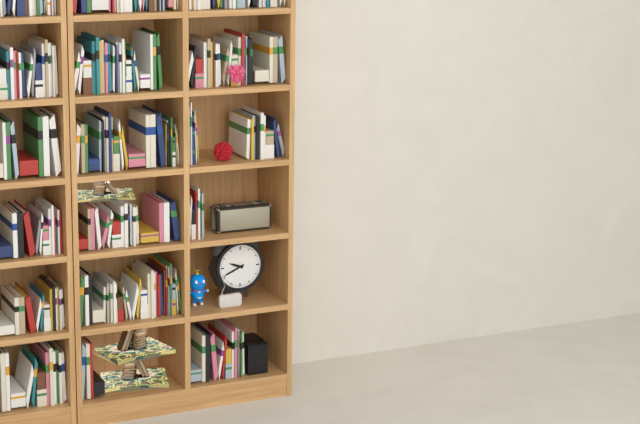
h=9 m=41
